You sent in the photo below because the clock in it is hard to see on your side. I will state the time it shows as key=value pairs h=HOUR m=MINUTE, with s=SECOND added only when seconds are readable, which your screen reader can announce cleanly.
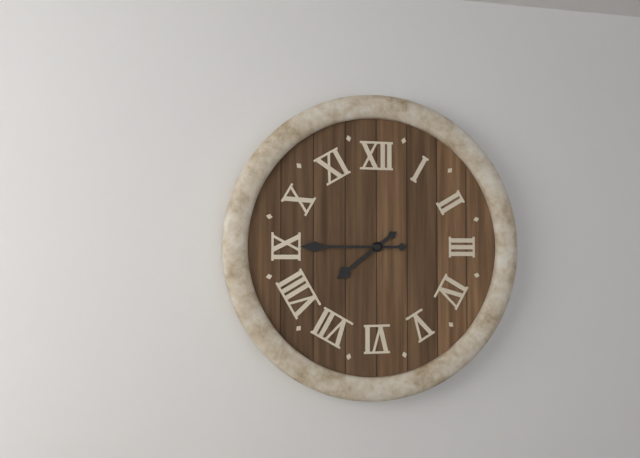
h=7 m=45
